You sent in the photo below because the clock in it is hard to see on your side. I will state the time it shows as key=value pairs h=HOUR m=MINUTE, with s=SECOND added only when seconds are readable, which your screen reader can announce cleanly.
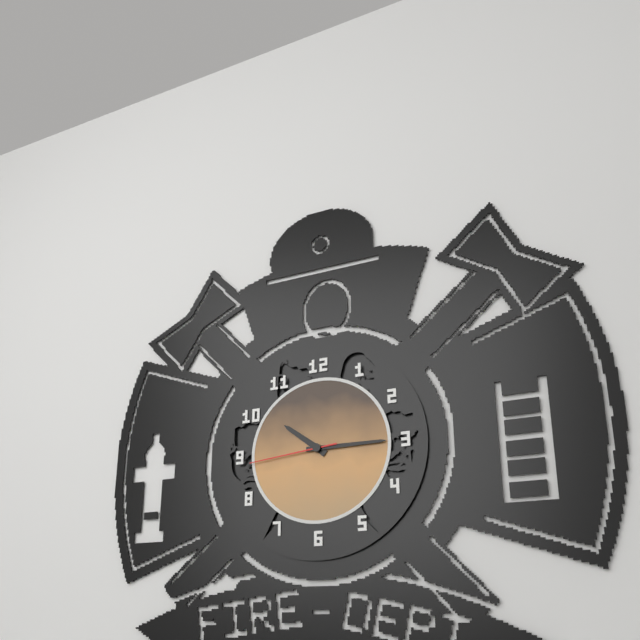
h=10 m=15 s=44
